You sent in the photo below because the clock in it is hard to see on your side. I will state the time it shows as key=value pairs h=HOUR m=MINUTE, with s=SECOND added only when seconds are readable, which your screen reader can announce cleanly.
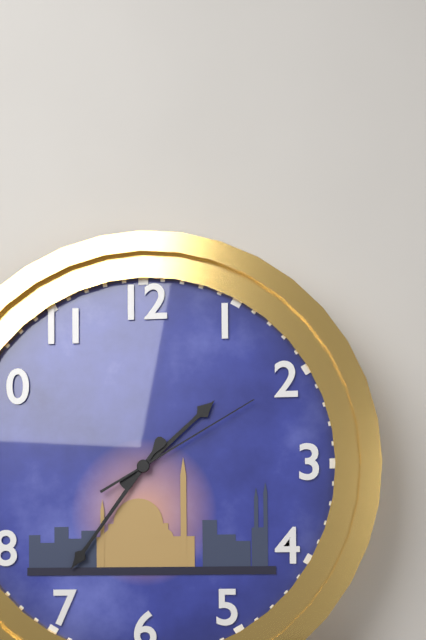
h=1 m=36 s=10
